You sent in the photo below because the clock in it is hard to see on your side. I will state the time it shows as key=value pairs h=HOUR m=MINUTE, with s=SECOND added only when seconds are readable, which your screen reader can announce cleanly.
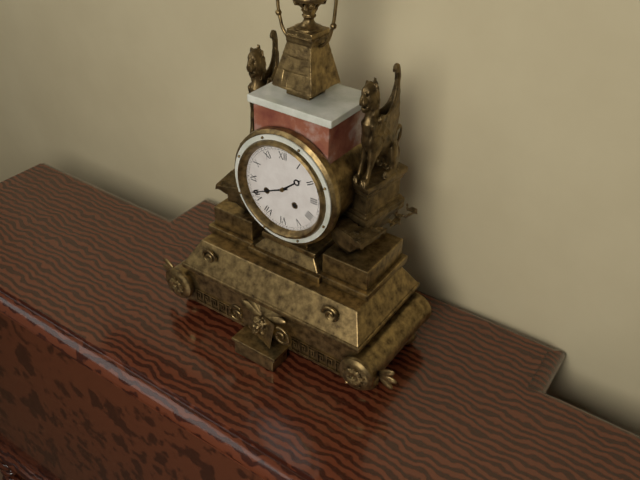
h=1 m=41
